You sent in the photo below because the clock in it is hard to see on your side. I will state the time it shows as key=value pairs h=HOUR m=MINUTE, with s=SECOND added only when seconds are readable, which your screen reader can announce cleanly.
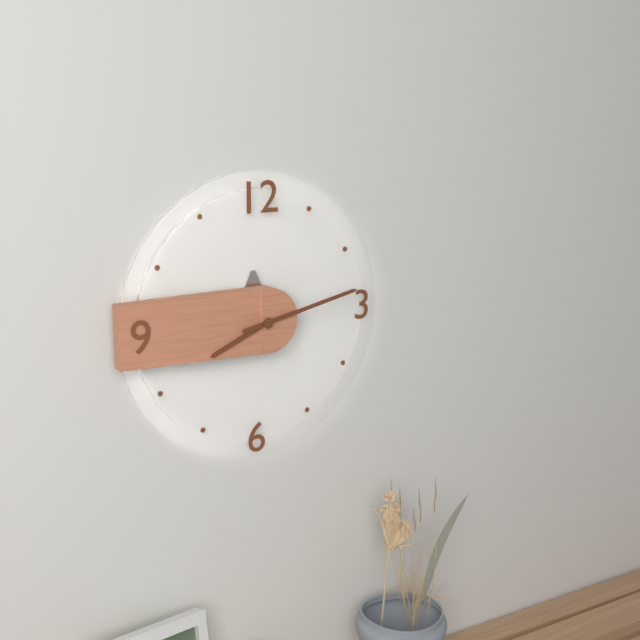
h=8 m=13
